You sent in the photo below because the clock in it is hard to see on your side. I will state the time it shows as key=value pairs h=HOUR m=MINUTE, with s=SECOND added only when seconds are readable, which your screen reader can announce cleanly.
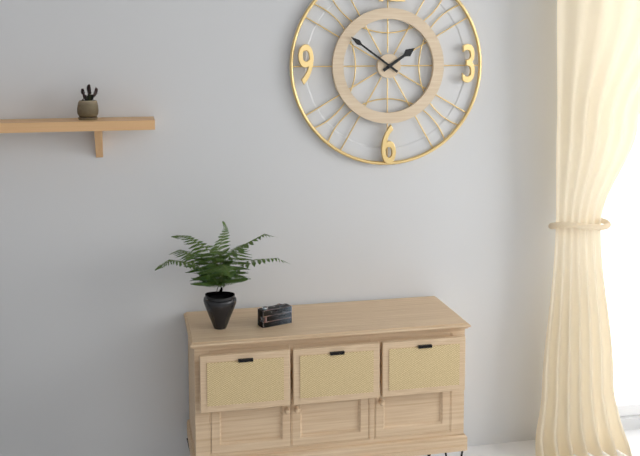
h=1 m=51
